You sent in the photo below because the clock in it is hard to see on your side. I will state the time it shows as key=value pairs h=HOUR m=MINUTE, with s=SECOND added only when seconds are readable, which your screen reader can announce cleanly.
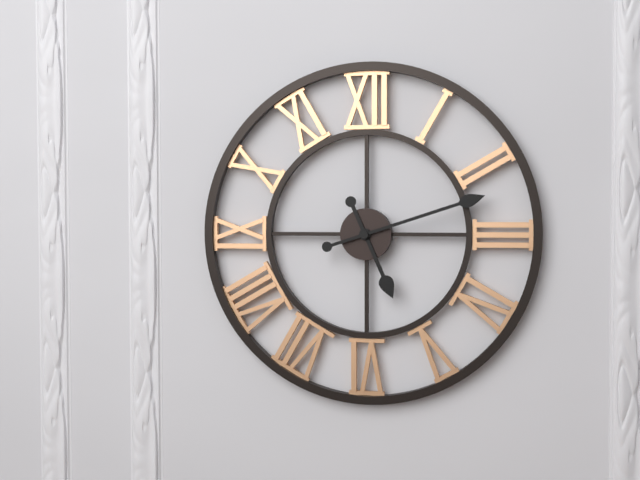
h=5 m=12
